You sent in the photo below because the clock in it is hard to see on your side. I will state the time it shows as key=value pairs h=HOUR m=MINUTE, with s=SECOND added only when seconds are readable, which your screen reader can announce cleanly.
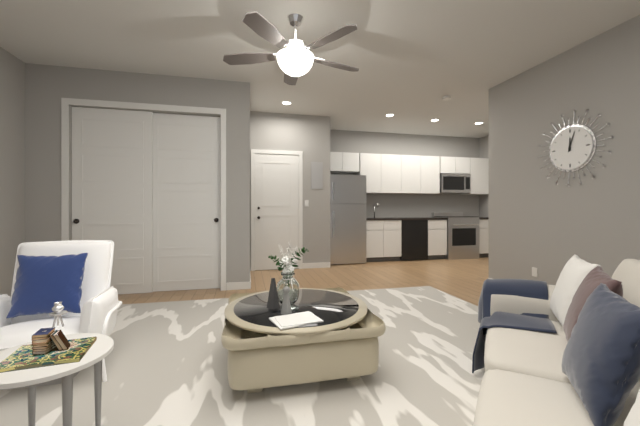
h=12 m=3
